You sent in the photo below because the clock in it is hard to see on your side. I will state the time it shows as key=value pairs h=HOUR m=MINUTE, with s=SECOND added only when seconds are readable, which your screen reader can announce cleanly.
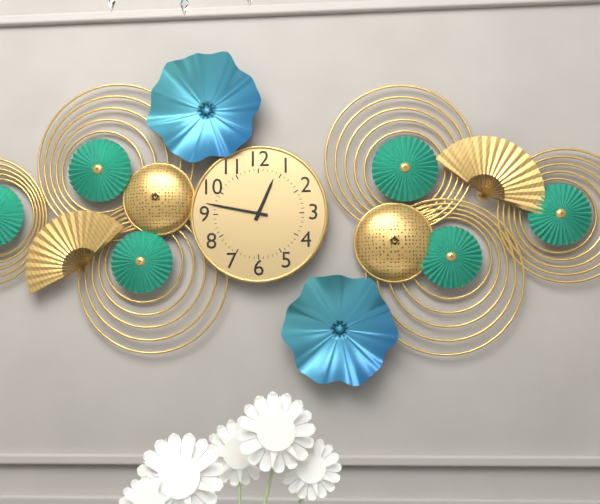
h=12 m=47
